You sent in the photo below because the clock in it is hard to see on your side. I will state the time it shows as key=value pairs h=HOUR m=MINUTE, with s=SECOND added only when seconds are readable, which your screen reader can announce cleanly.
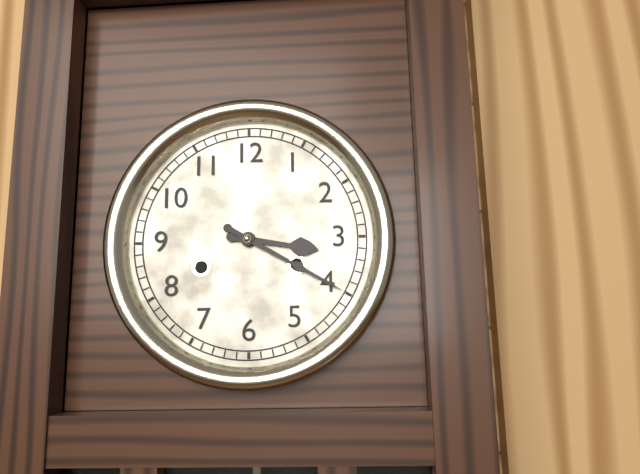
h=3 m=20
